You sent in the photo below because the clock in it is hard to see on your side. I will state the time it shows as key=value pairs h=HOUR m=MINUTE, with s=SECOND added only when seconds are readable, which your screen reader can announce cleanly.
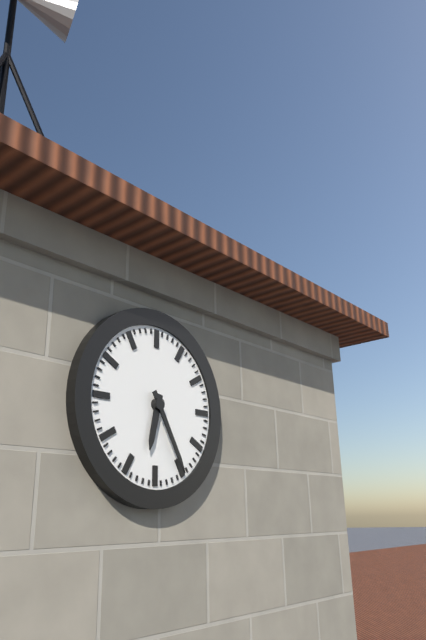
h=6 m=25
